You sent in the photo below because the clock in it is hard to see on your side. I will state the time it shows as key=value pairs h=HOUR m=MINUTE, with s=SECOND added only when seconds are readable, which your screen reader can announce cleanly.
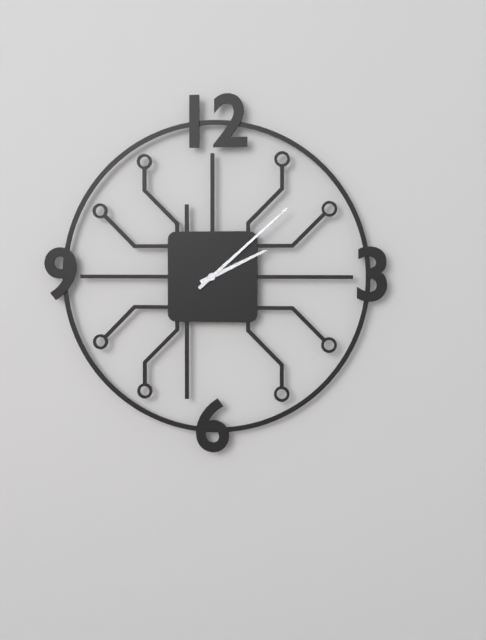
h=2 m=8
